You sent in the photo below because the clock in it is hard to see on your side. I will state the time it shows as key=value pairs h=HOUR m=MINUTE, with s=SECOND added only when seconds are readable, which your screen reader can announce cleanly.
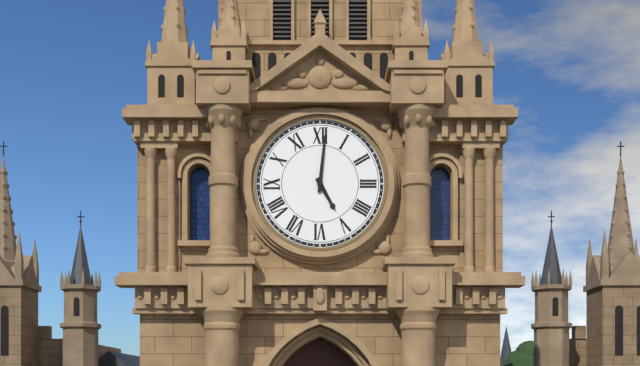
h=5 m=1
